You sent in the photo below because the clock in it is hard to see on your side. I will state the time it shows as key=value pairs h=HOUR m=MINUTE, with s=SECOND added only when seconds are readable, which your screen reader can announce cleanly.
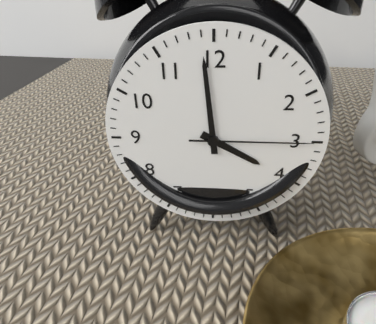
h=3 m=59 s=15
